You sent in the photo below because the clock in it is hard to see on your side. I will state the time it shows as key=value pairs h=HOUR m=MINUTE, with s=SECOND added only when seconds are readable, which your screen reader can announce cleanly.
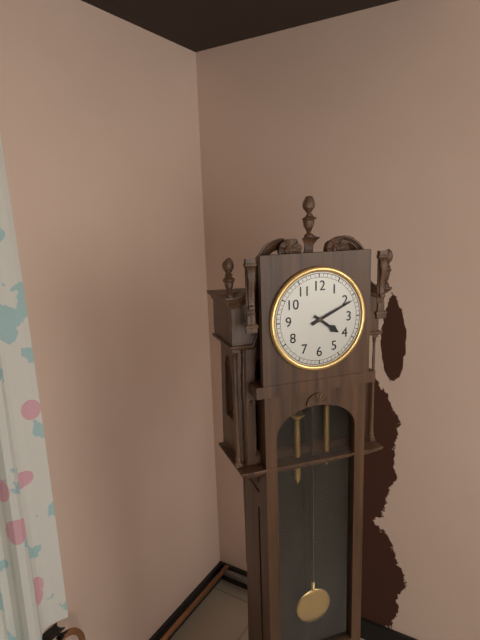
h=4 m=11
